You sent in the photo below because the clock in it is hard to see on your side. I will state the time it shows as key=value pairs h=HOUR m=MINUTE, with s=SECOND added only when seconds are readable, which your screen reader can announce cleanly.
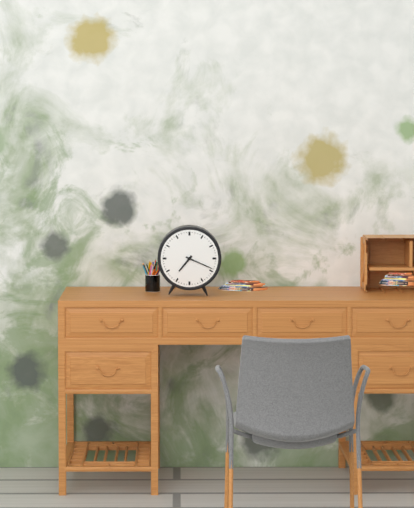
h=7 m=19
